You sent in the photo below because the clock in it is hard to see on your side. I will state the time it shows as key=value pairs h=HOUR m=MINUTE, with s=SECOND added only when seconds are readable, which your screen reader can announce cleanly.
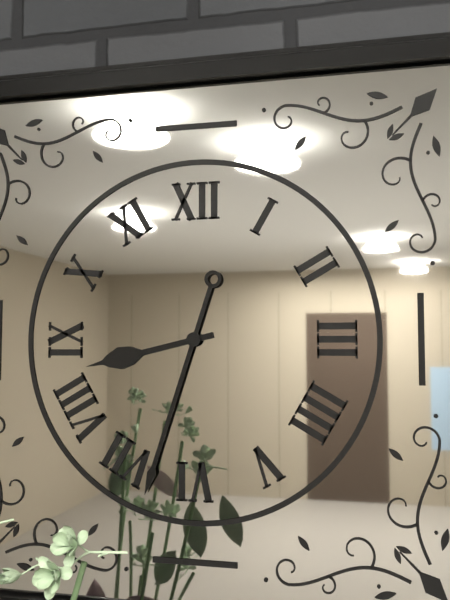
h=8 m=33
